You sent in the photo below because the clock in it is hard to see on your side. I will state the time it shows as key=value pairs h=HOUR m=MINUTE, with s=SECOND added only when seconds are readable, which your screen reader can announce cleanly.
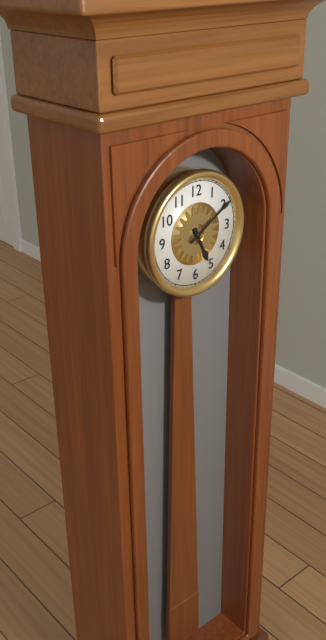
h=5 m=10
